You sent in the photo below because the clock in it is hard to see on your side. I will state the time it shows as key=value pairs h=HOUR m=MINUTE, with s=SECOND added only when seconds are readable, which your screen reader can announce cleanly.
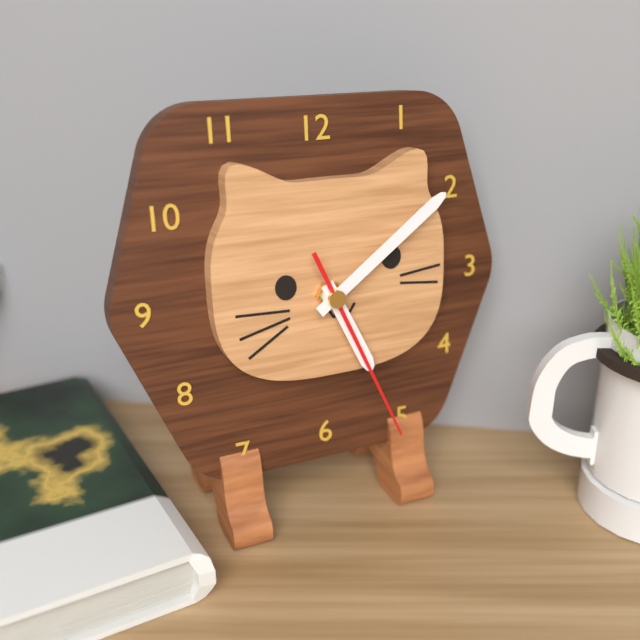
h=5 m=9 s=26
